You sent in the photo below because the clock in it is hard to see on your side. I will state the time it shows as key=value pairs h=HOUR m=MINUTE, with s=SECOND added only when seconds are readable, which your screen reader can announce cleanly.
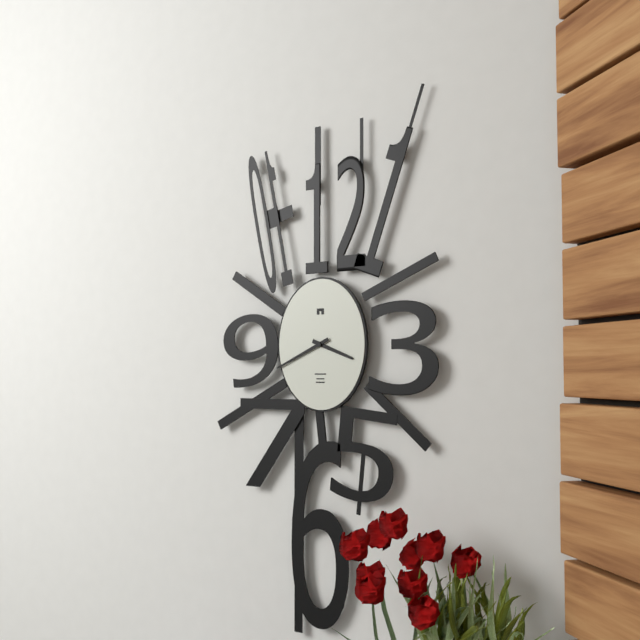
h=3 m=41
